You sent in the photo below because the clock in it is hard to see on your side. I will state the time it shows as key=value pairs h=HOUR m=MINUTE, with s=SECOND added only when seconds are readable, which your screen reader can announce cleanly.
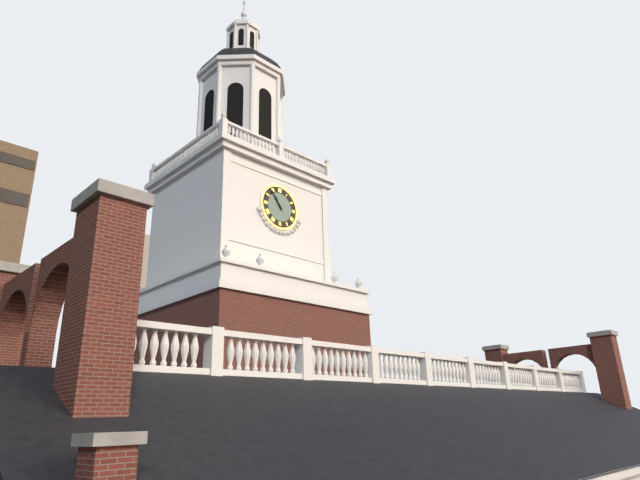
h=10 m=54
